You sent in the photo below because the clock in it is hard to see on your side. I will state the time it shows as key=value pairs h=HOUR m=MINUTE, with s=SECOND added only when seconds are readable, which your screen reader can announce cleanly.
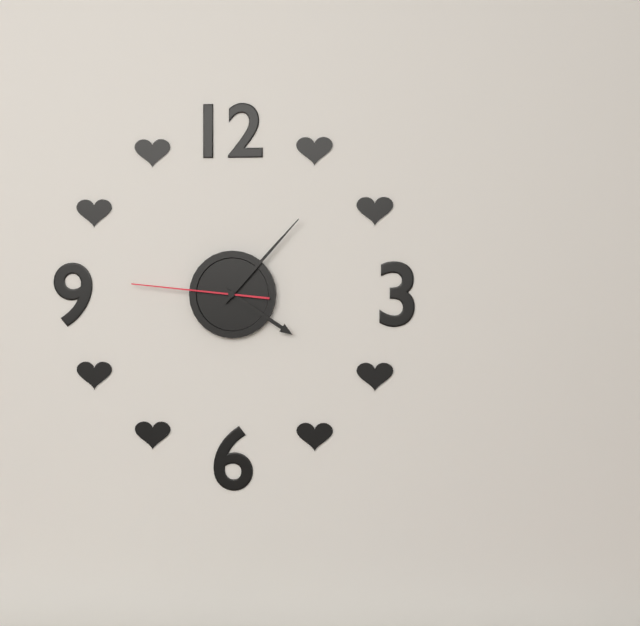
h=4 m=7 s=46
